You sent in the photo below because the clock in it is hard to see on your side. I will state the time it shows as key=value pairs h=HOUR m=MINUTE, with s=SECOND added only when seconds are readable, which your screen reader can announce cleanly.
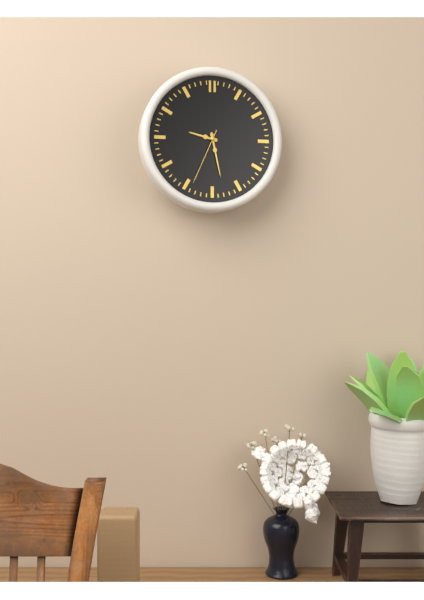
h=9 m=28 s=34
